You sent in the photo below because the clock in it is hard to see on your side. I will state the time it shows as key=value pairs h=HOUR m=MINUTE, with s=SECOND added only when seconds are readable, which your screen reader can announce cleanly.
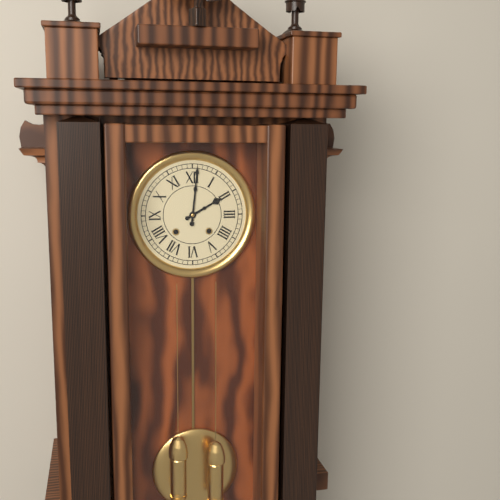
h=2 m=1
